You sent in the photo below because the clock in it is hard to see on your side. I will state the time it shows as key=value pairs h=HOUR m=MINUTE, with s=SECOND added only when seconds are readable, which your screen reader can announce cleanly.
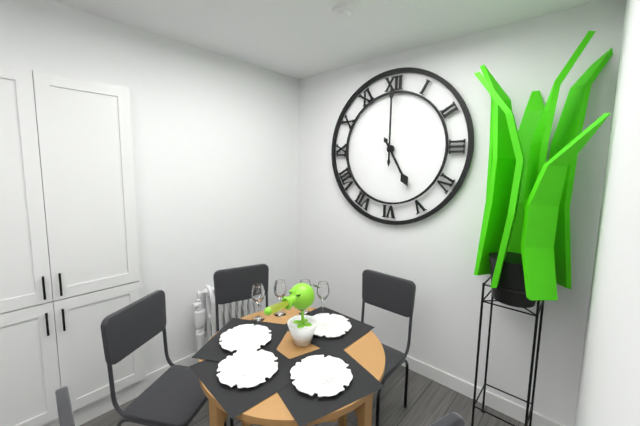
h=5 m=0
